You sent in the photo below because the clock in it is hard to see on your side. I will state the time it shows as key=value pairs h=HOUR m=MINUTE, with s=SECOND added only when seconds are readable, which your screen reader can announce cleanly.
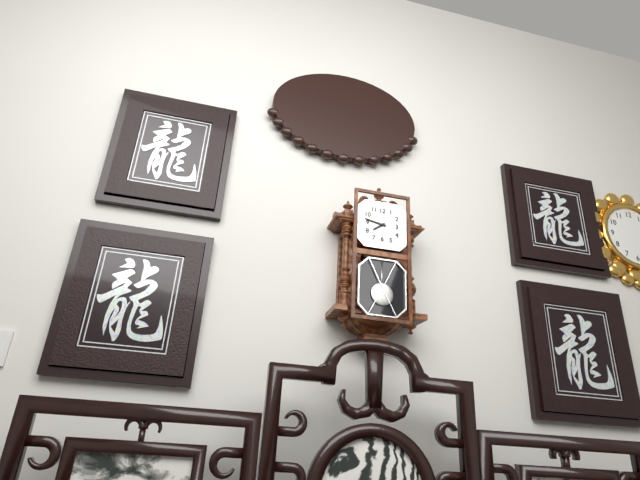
h=7 m=47
